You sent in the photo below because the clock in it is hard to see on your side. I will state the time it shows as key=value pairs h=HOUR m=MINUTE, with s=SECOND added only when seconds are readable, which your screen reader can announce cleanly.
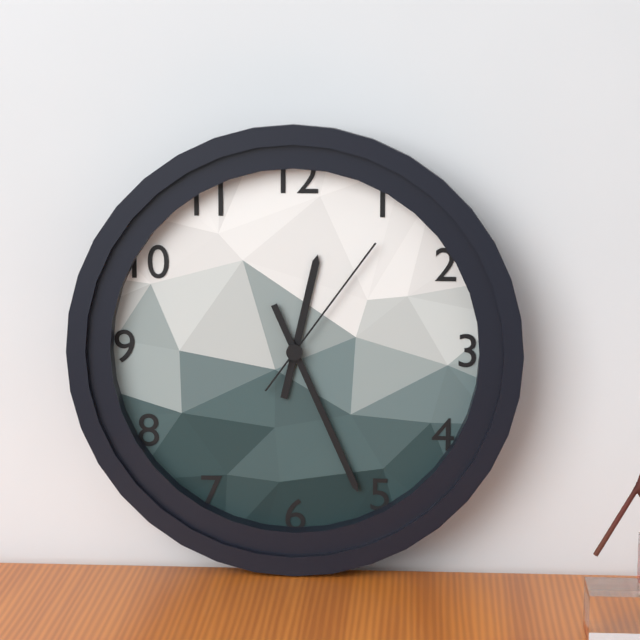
h=12 m=26 s=6
